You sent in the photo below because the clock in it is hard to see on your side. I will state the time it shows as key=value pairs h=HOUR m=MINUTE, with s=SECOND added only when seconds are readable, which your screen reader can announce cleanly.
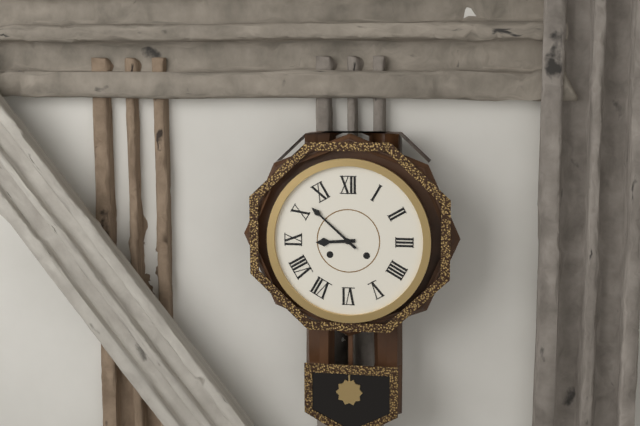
h=8 m=52
